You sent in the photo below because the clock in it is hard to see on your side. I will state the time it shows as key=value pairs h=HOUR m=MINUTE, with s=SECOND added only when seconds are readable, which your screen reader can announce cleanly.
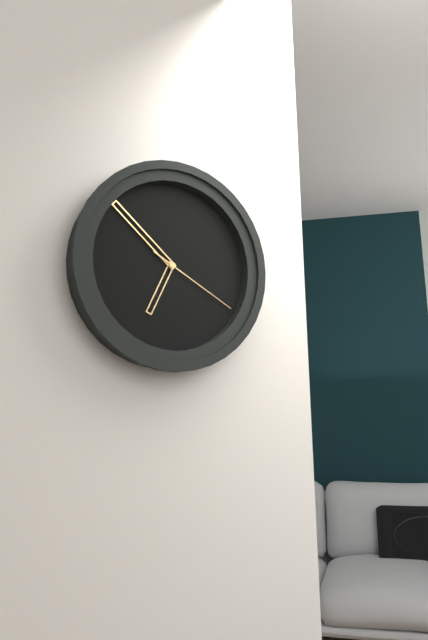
h=6 m=52 s=20
